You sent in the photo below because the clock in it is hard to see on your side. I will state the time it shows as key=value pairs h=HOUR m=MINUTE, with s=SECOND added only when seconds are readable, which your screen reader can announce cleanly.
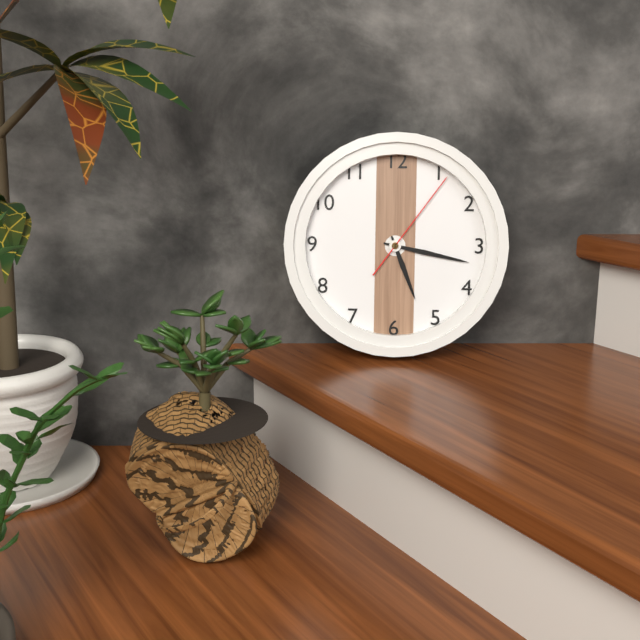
h=5 m=17 s=6
